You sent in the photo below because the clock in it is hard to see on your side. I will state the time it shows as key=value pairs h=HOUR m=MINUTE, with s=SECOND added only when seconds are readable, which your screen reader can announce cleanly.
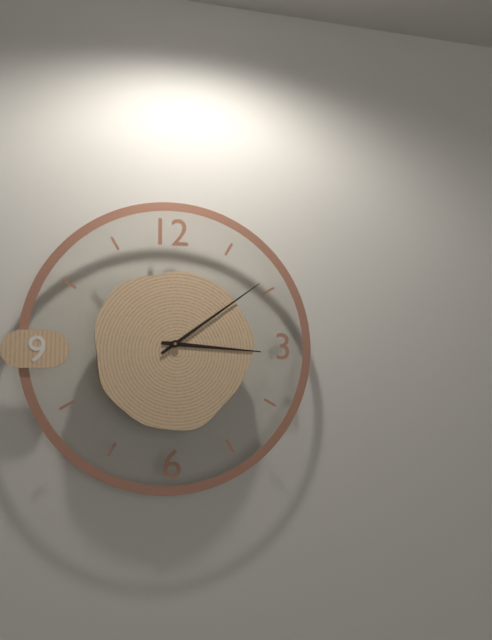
h=3 m=9
